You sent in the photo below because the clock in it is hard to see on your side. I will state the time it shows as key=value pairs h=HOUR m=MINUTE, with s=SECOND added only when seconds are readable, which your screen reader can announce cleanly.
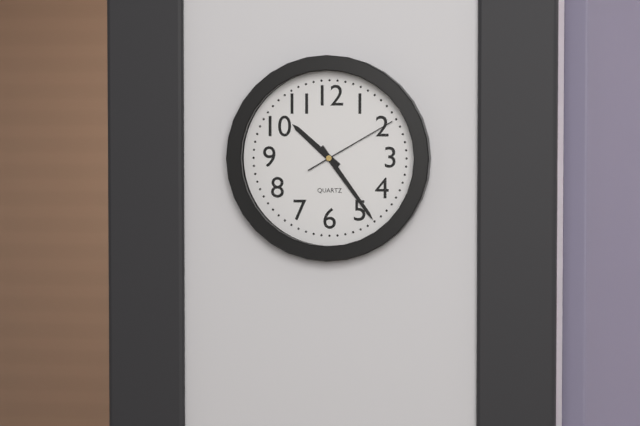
h=10 m=24 s=10
